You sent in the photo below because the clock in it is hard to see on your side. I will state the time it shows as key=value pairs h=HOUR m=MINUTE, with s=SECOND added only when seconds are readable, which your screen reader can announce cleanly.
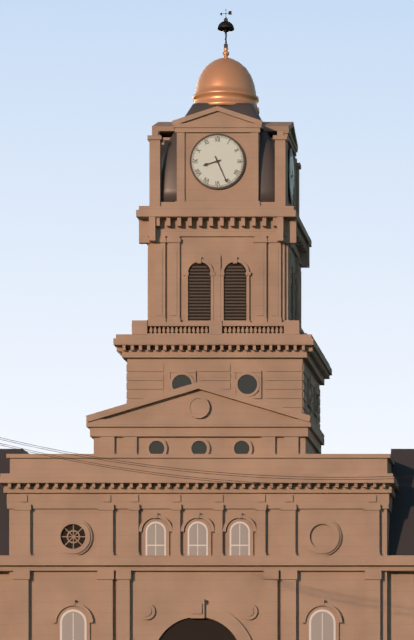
h=8 m=26
